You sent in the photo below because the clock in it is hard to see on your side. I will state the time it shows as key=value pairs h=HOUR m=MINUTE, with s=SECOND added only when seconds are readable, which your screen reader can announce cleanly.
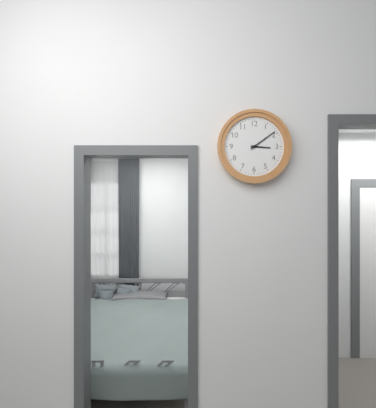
h=3 m=9
